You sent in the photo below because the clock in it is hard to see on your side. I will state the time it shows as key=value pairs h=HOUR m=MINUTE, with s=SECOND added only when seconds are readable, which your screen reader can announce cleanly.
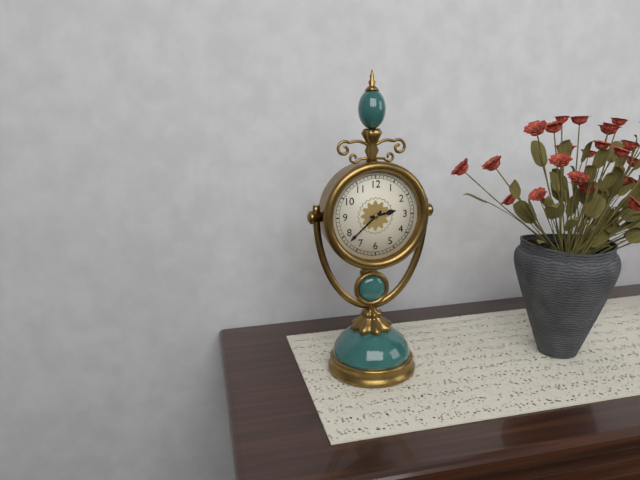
h=2 m=38
